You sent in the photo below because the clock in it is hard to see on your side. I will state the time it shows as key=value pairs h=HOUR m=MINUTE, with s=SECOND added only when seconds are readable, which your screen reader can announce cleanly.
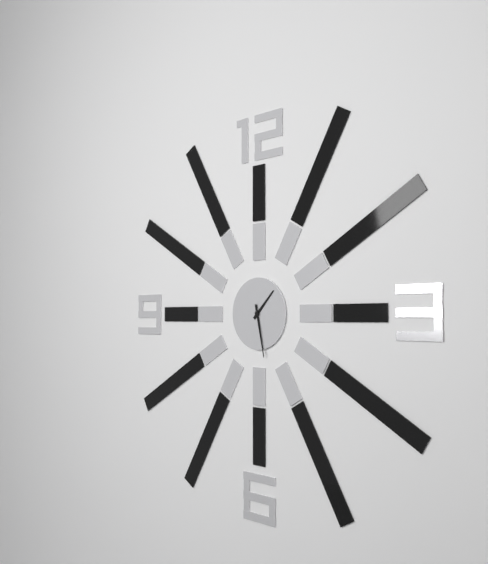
h=1 m=28
